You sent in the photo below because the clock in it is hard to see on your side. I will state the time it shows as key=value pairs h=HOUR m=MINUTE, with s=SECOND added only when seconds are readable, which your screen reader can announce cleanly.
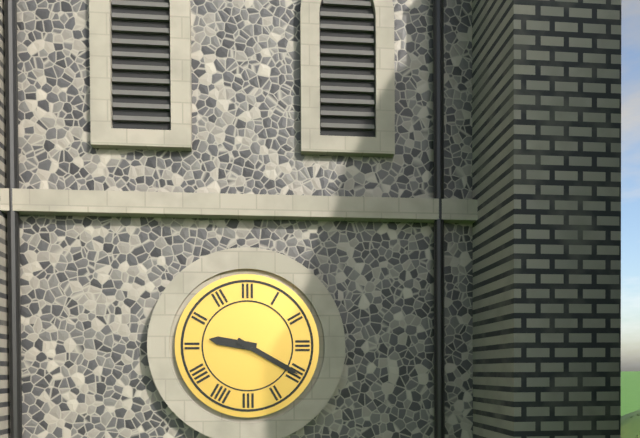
h=9 m=20
